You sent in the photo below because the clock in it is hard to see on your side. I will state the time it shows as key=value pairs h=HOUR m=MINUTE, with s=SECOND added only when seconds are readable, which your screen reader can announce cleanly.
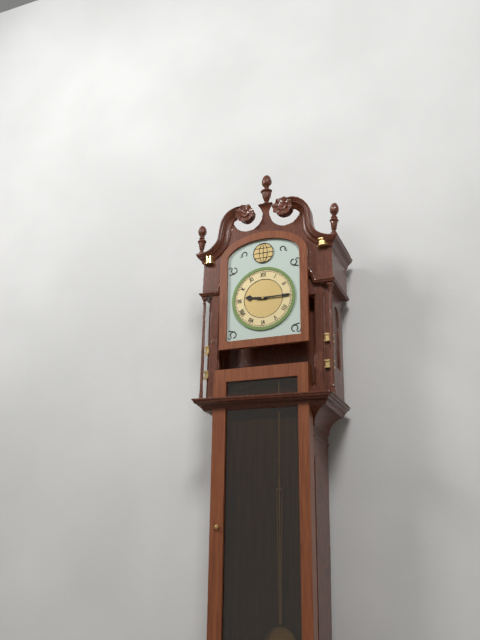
h=9 m=15
